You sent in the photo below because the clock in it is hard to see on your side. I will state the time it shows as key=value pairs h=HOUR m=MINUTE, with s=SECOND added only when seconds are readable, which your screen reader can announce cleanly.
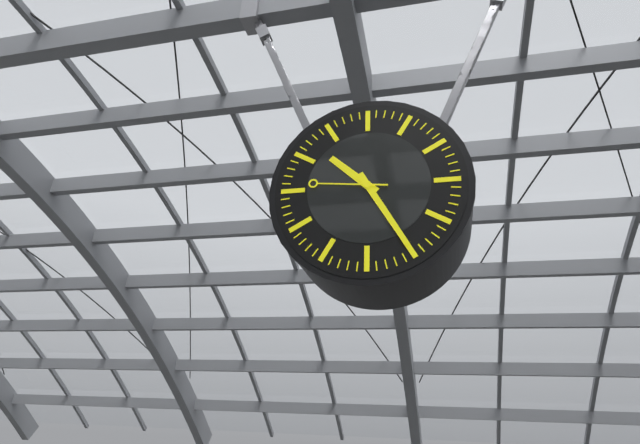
h=10 m=25 s=46
